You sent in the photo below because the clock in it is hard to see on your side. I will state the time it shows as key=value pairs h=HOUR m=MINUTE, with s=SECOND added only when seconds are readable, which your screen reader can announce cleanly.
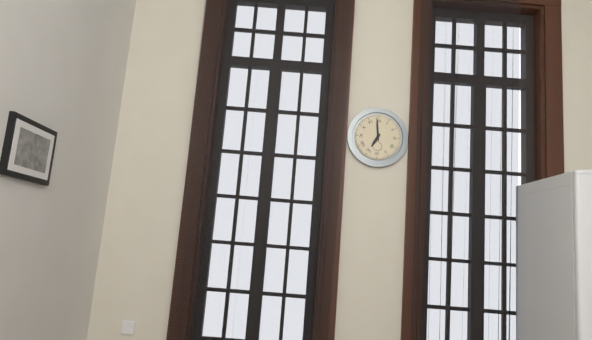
h=6 m=59
